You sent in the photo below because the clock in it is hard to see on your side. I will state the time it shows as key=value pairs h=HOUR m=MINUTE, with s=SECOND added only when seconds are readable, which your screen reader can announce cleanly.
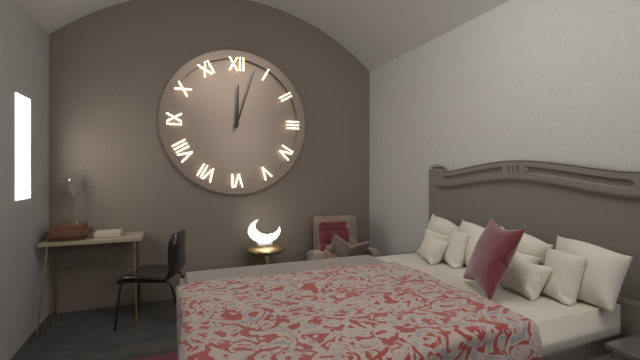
h=12 m=3
